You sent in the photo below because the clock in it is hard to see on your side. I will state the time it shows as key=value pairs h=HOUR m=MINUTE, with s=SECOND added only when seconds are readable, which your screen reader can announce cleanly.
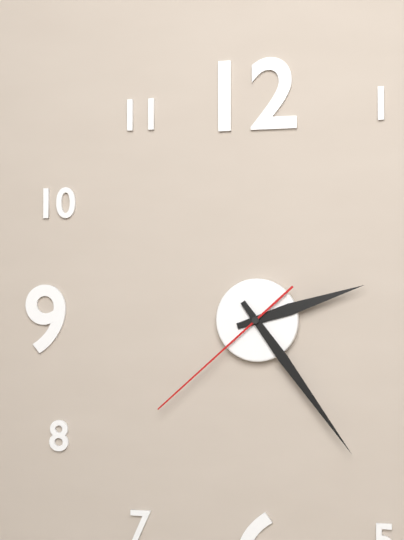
h=2 m=24 s=38
